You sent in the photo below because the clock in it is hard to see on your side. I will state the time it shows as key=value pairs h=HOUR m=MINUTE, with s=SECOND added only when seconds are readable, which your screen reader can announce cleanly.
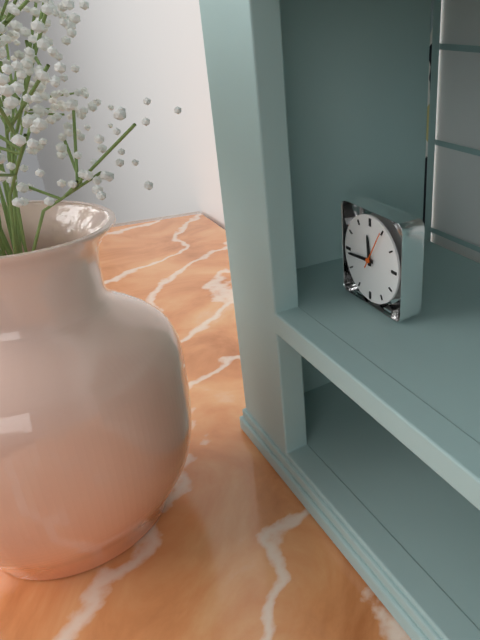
h=11 m=44
